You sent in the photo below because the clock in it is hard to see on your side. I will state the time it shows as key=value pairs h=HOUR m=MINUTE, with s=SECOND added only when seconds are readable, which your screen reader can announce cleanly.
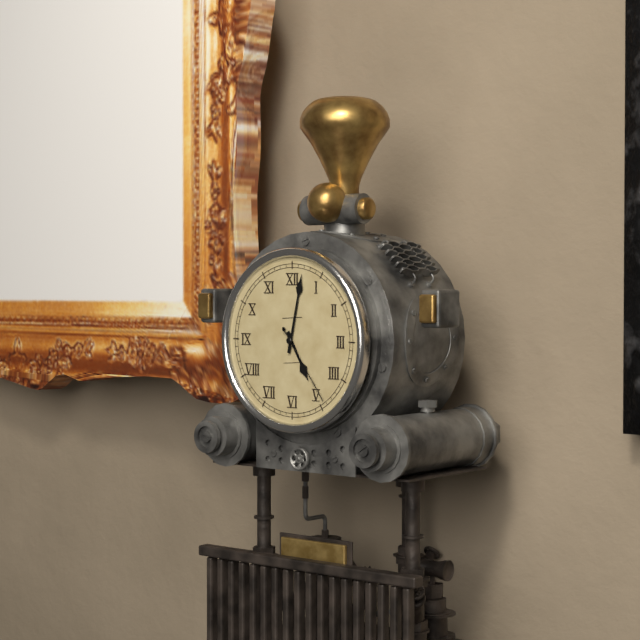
h=5 m=2 s=24
